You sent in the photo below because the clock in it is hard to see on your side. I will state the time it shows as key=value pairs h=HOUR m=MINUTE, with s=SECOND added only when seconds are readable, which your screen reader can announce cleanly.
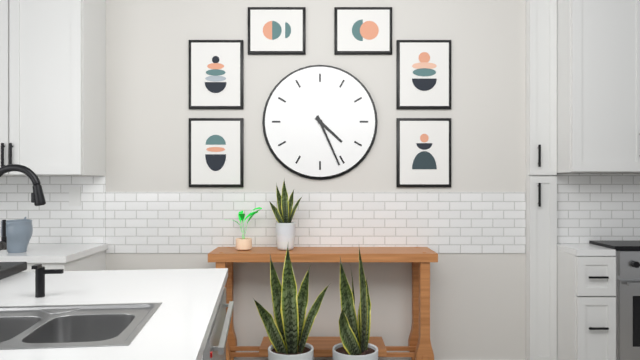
h=4 m=26
